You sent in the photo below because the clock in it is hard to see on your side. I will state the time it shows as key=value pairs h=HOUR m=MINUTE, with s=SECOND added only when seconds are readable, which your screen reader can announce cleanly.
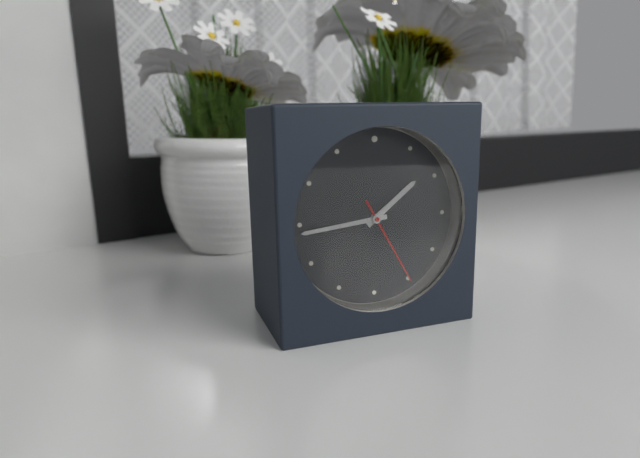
h=1 m=44 s=25
